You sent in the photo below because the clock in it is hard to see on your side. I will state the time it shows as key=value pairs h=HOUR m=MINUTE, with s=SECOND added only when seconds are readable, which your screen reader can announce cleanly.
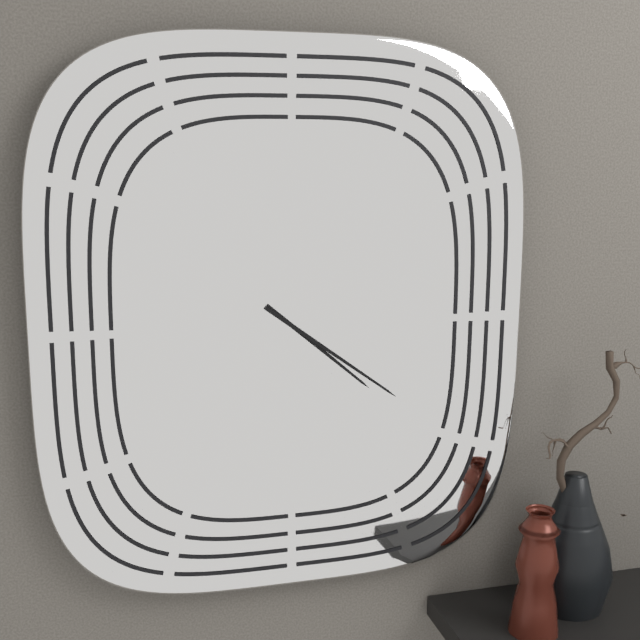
h=4 m=21
